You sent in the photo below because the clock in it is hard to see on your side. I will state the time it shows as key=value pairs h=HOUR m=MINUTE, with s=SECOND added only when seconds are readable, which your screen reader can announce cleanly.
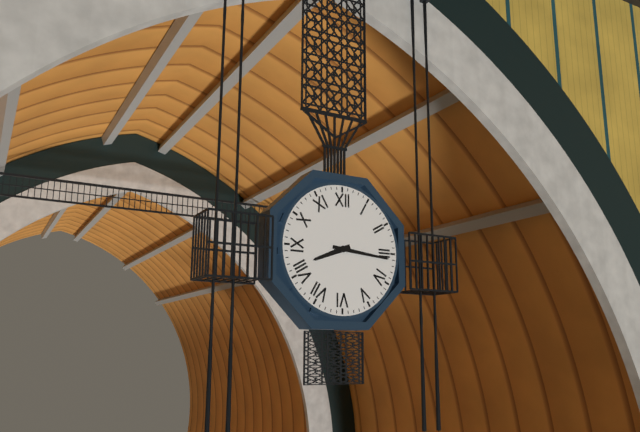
h=8 m=16
